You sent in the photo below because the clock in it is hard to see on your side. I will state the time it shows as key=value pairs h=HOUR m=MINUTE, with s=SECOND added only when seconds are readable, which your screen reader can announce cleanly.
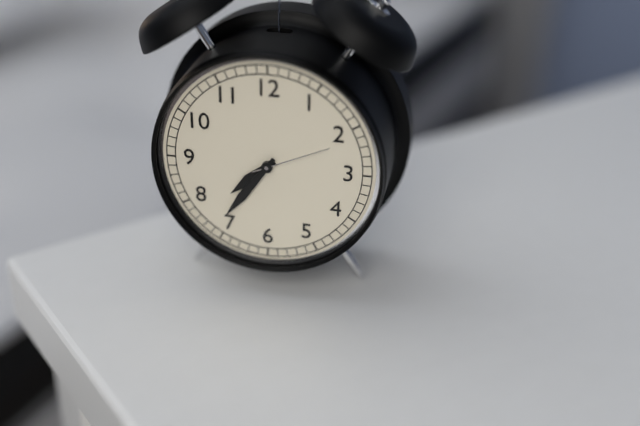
h=7 m=36 s=11
